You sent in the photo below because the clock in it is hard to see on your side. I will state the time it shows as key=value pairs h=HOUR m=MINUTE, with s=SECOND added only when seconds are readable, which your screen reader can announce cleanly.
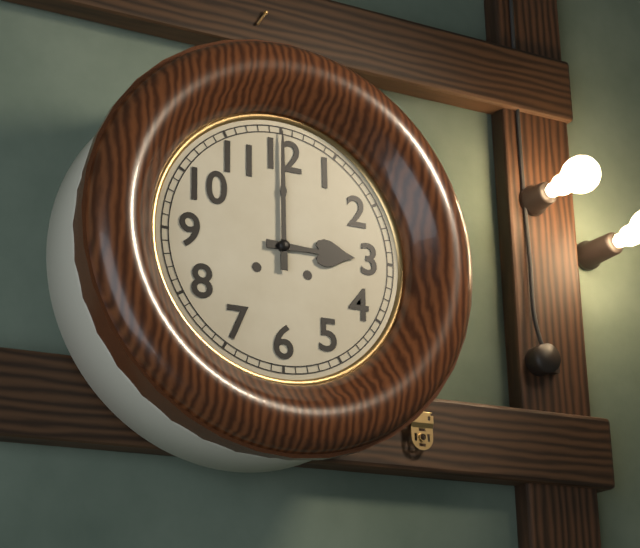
h=3 m=0
